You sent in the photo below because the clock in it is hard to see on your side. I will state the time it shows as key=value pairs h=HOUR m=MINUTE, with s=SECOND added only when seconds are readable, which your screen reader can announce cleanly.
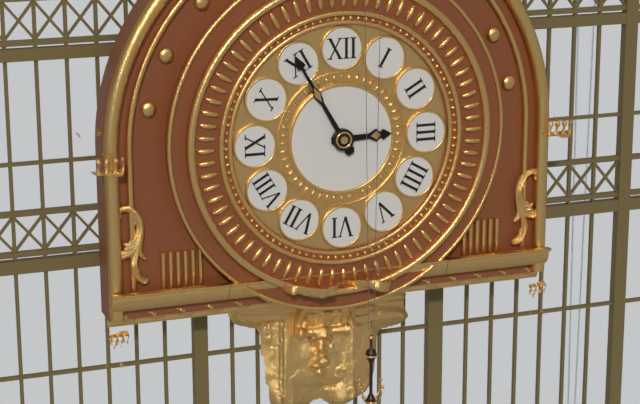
h=2 m=55
